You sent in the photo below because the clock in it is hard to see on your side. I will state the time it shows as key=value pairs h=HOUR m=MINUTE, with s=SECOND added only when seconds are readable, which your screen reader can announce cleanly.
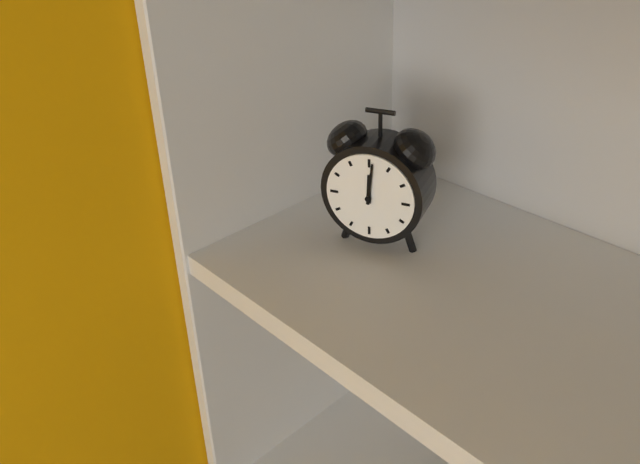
h=12 m=1
